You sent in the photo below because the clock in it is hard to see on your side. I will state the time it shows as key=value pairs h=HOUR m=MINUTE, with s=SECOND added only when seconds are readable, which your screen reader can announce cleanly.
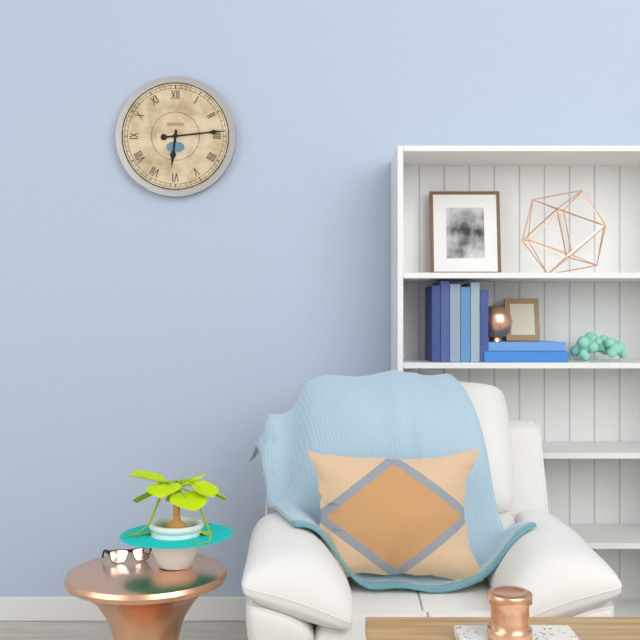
h=6 m=14
